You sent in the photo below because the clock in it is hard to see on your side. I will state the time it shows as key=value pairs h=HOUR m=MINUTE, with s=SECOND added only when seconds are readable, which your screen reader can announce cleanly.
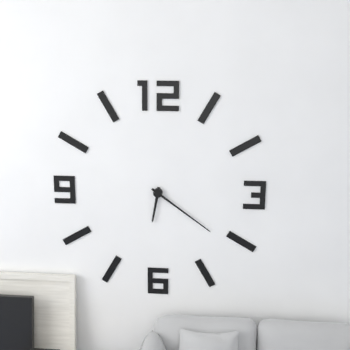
h=6 m=21
